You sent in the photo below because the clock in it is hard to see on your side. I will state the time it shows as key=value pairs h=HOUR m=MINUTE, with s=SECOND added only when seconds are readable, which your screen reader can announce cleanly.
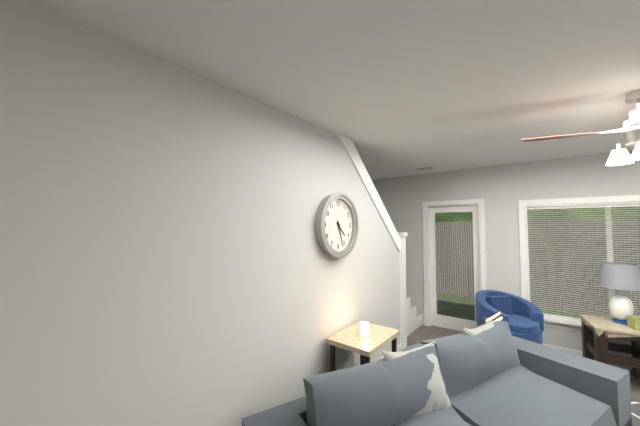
h=4 m=27
